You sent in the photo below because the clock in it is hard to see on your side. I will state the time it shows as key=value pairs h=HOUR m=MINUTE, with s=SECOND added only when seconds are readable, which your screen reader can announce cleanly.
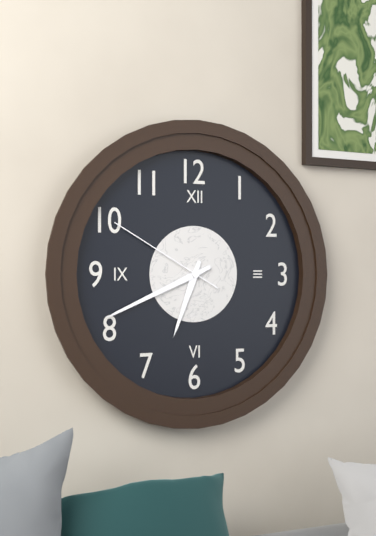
h=6 m=41 s=50
